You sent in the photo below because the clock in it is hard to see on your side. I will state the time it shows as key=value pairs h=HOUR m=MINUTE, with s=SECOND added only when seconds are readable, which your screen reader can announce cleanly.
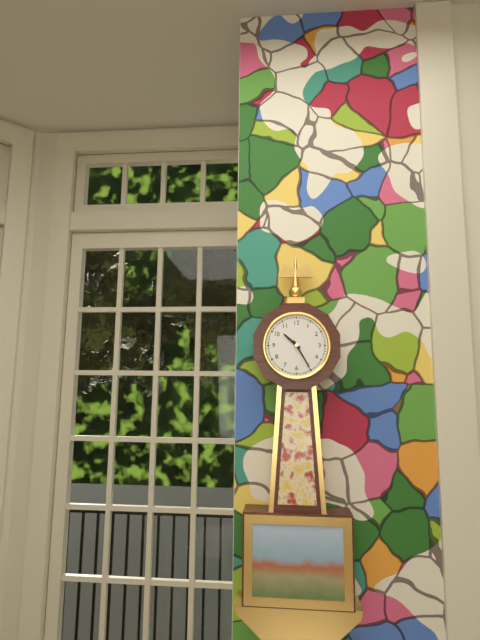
h=10 m=25
